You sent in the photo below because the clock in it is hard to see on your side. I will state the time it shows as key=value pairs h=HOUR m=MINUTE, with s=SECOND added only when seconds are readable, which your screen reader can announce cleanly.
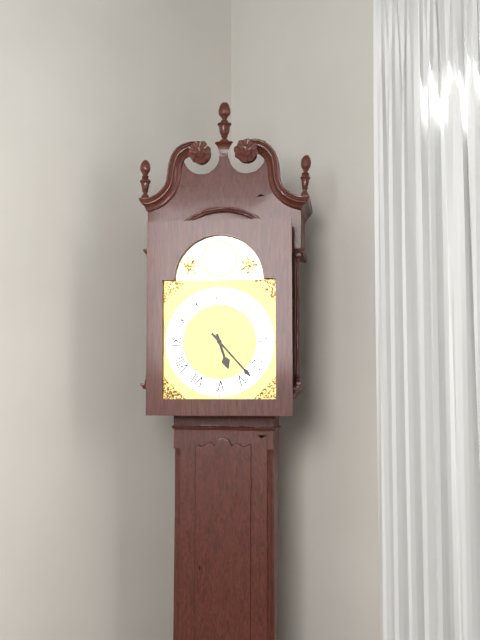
h=5 m=23
